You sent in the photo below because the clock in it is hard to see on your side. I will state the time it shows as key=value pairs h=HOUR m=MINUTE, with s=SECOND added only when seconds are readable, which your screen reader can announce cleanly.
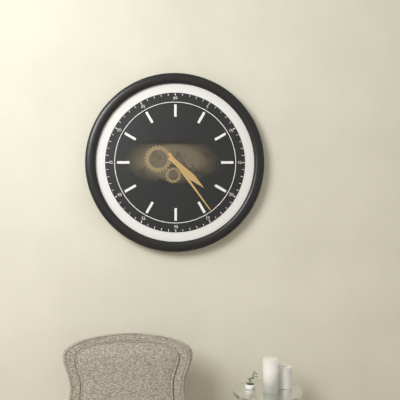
h=4 m=24
